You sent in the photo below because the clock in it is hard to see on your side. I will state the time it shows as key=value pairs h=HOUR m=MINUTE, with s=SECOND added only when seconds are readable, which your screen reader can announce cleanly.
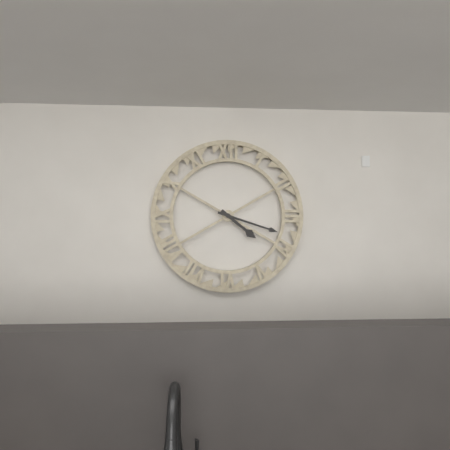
h=4 m=18
